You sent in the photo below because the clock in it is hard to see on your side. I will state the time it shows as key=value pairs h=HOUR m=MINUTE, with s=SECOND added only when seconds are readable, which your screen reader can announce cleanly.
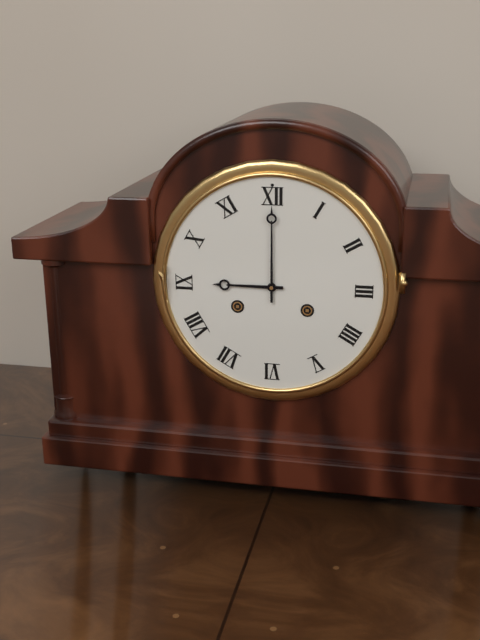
h=9 m=0
